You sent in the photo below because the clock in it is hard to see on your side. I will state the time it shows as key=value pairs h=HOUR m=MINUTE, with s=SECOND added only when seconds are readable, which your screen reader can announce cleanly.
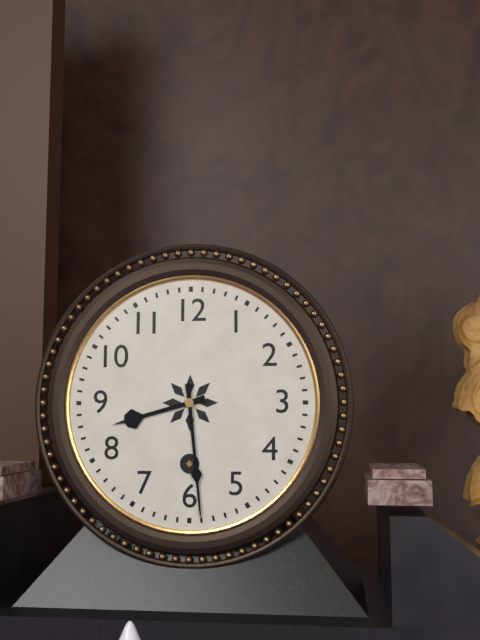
h=8 m=29
